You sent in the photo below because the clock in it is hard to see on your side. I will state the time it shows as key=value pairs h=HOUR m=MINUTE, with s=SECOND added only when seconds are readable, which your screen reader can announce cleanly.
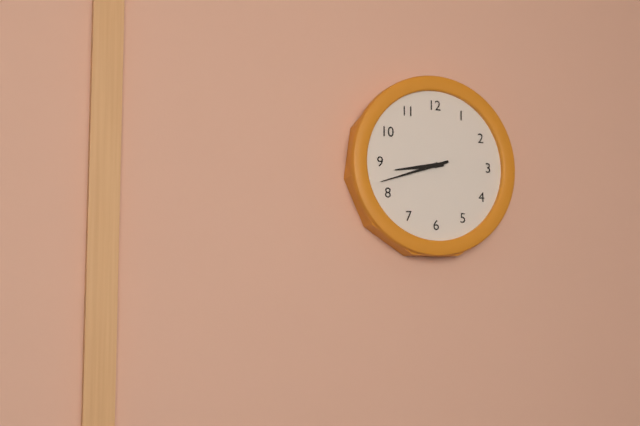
h=8 m=42
